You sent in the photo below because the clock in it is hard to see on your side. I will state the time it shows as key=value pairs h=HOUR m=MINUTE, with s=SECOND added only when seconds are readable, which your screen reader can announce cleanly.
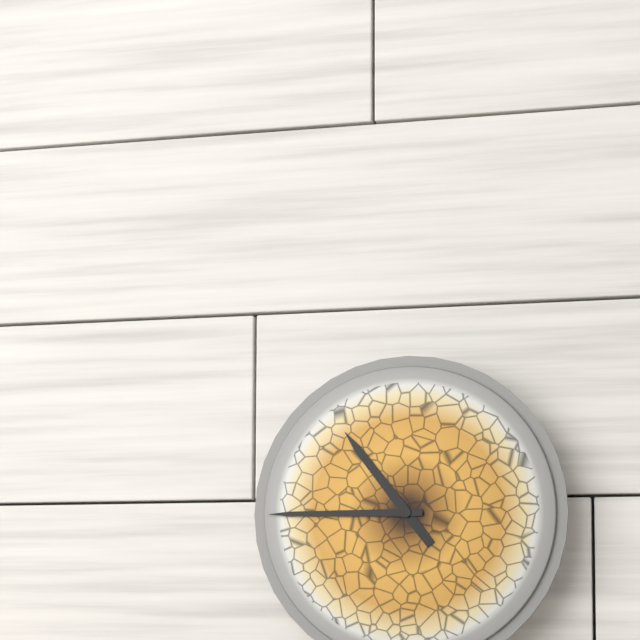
h=10 m=45
